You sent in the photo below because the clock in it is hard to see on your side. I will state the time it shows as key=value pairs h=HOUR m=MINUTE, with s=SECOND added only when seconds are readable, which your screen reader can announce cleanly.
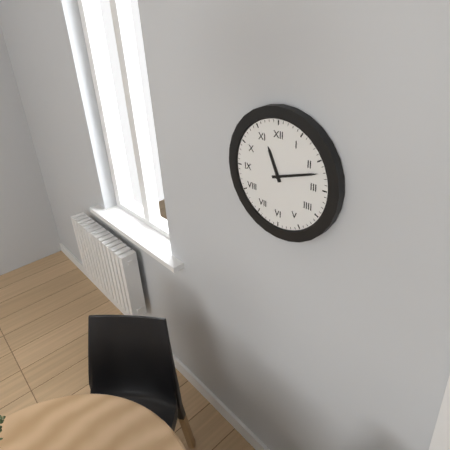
h=11 m=12
